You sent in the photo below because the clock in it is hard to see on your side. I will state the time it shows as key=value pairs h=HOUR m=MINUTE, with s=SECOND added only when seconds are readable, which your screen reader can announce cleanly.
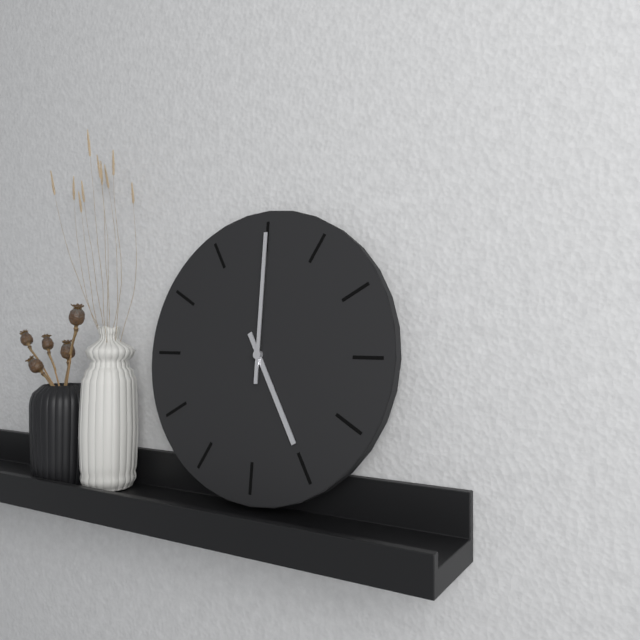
h=5 m=0
